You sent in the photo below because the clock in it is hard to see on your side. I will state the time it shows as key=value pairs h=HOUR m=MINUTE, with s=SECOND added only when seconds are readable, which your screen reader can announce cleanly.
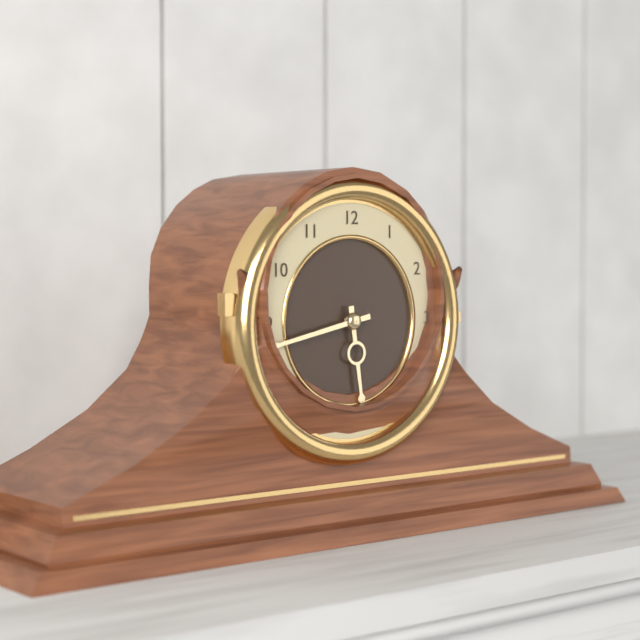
h=5 m=43
